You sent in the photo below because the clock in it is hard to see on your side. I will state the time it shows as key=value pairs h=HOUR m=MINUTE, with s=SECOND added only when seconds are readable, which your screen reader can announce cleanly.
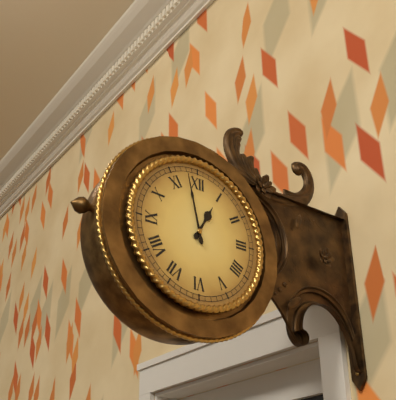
h=12 m=58
